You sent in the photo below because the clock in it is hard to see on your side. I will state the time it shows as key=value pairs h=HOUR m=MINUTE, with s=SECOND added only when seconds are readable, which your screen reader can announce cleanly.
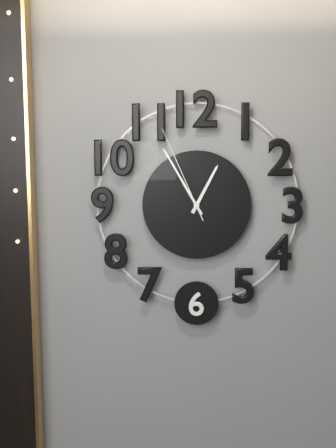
h=12 m=55 s=56
